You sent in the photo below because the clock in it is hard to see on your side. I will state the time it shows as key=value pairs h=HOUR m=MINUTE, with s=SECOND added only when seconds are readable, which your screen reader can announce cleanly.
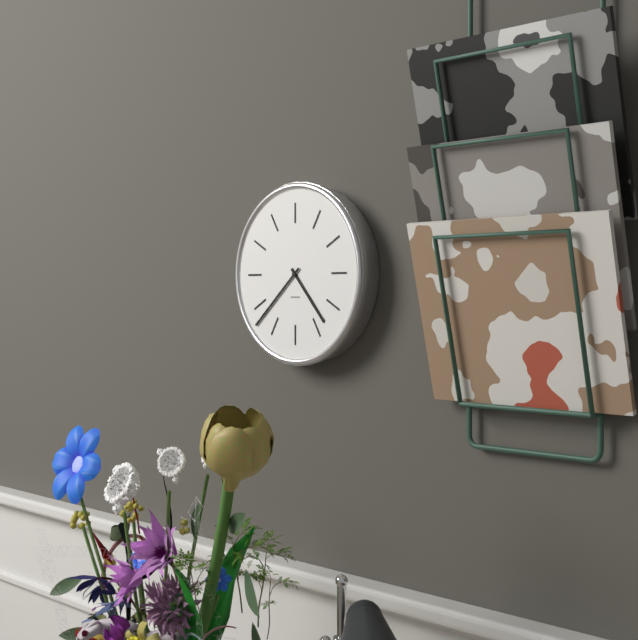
h=4 m=38
